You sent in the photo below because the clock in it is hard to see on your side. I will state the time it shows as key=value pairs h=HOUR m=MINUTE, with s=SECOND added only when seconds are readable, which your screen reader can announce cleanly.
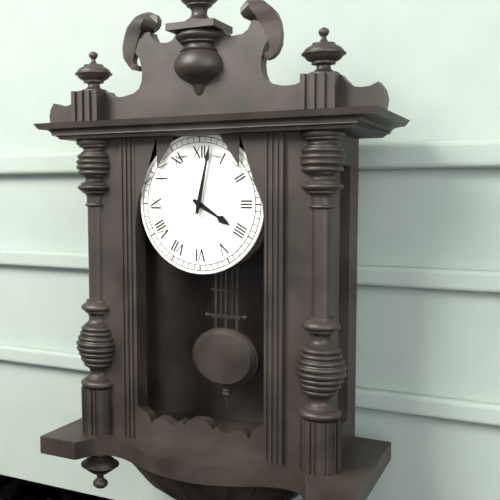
h=4 m=2
